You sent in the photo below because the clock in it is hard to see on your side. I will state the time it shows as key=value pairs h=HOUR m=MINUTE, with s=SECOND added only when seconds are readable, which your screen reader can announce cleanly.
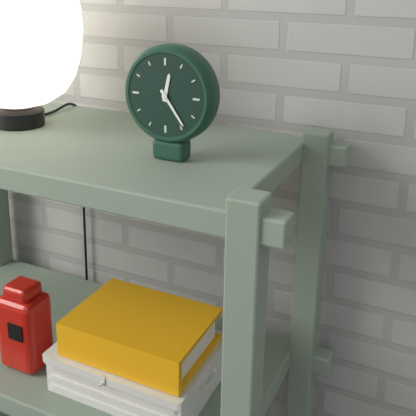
h=12 m=24
